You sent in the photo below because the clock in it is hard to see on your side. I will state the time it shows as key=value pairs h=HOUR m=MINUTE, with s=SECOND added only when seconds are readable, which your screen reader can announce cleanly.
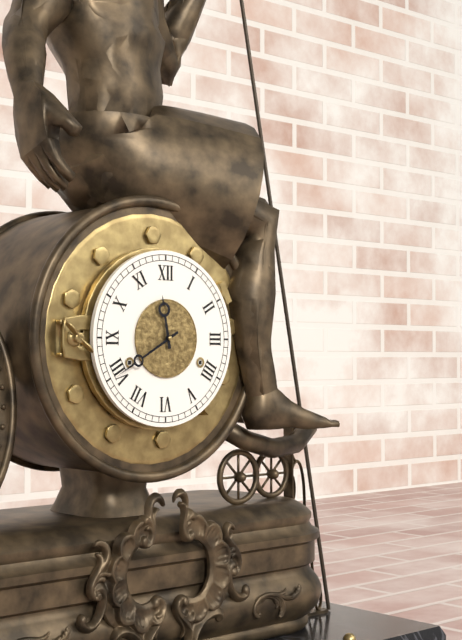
h=11 m=40
